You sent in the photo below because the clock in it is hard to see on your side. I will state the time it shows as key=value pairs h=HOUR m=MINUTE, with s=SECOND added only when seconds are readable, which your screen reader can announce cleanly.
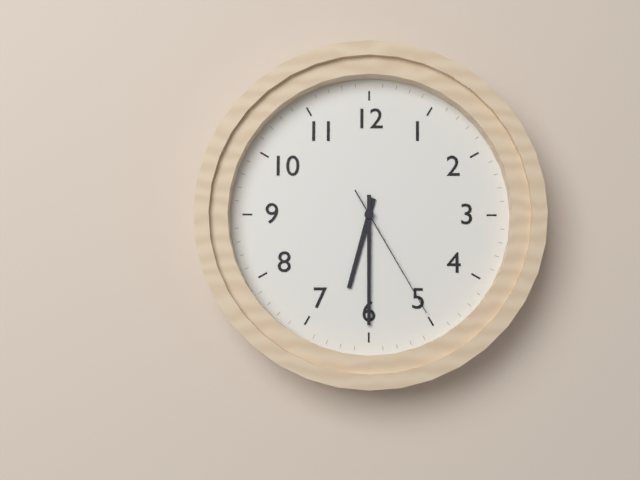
h=6 m=30 s=25
